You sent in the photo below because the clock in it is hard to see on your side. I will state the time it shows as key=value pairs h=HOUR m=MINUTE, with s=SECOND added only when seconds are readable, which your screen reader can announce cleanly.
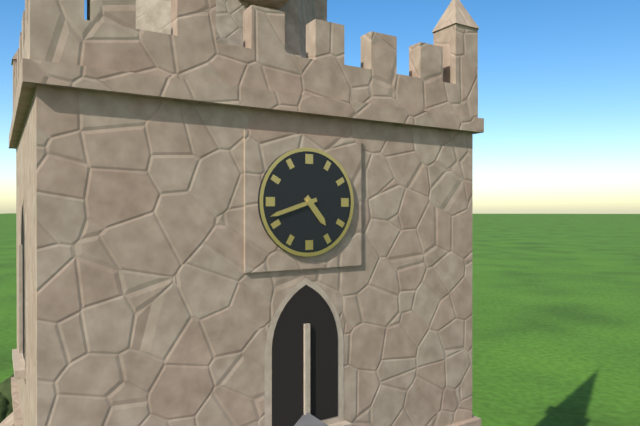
h=4 m=42
